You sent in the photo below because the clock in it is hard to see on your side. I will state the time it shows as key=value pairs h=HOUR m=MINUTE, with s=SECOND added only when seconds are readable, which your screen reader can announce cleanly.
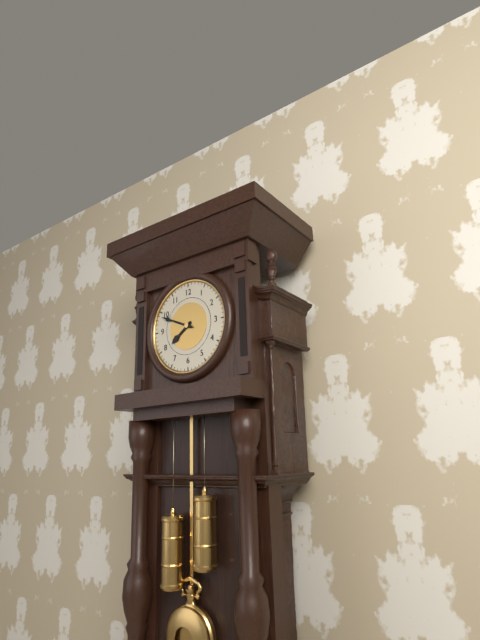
h=7 m=49
